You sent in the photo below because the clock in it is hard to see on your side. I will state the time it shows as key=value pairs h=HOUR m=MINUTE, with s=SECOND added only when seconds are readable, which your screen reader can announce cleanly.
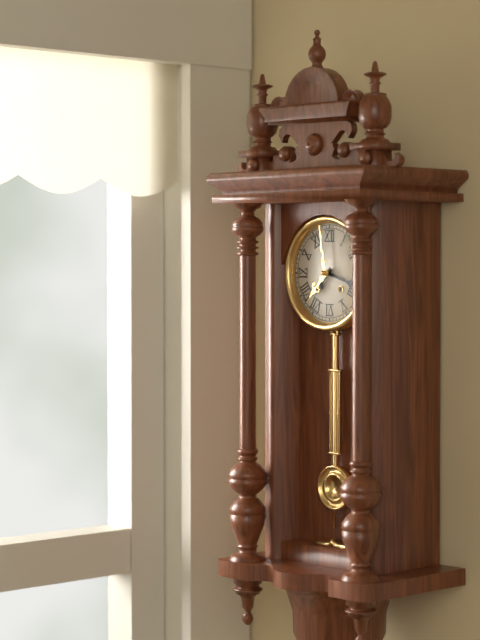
h=7 m=18
